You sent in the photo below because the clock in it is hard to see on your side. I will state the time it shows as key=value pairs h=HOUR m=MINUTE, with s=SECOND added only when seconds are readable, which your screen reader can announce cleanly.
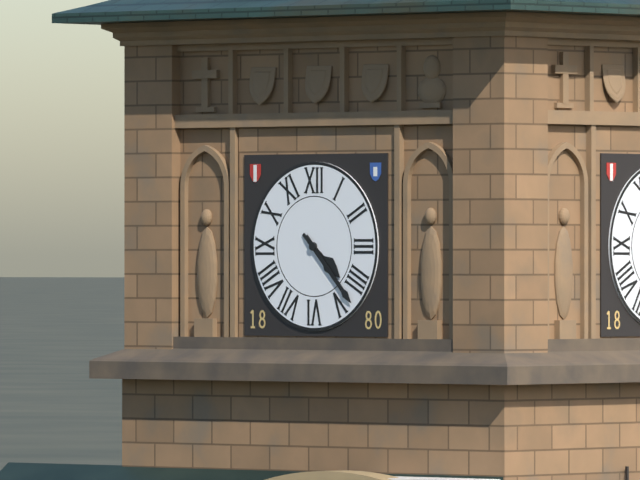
h=4 m=23
